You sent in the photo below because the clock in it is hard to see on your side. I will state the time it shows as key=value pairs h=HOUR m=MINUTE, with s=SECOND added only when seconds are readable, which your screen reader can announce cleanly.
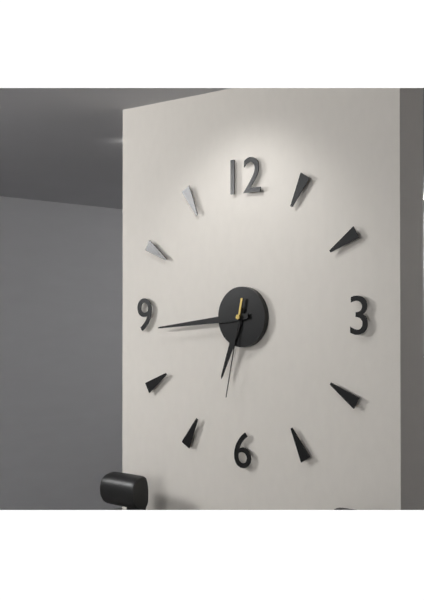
h=6 m=44 s=32
